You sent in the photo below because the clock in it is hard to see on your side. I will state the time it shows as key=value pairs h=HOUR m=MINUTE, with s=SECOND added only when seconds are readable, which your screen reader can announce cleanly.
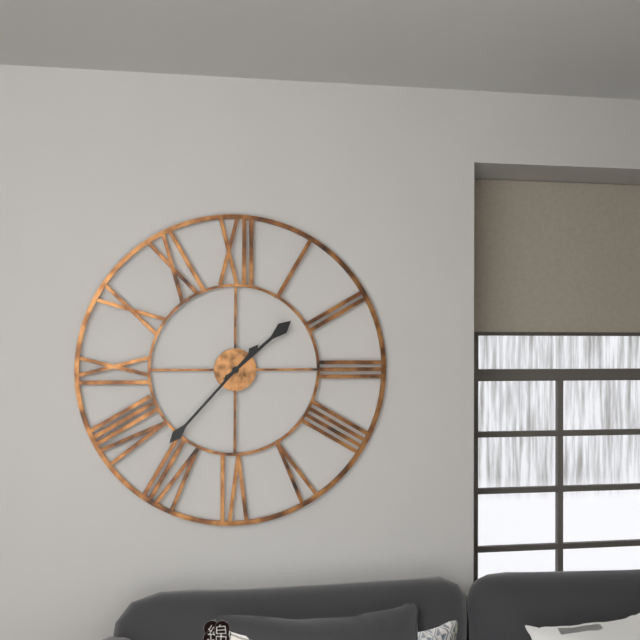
h=1 m=37
